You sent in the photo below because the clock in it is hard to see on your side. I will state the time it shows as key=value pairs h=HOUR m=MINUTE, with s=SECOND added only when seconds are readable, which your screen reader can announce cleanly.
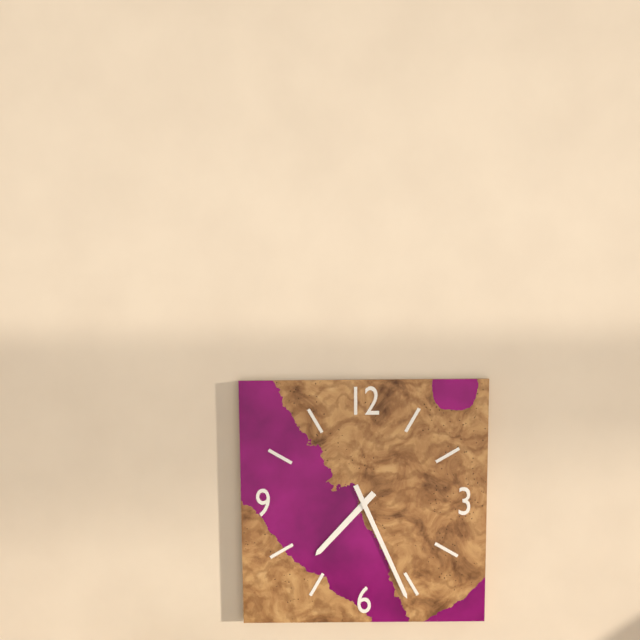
h=7 m=26
